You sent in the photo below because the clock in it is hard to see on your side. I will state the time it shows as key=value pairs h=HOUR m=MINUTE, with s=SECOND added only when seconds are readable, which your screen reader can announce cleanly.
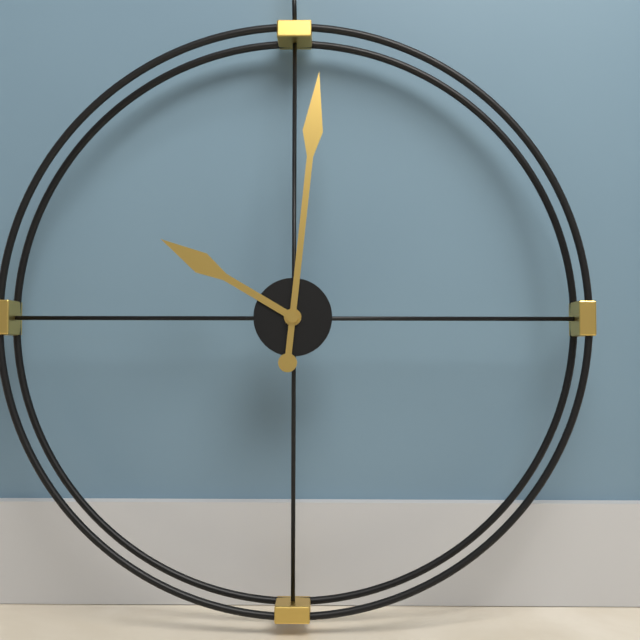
h=10 m=1
